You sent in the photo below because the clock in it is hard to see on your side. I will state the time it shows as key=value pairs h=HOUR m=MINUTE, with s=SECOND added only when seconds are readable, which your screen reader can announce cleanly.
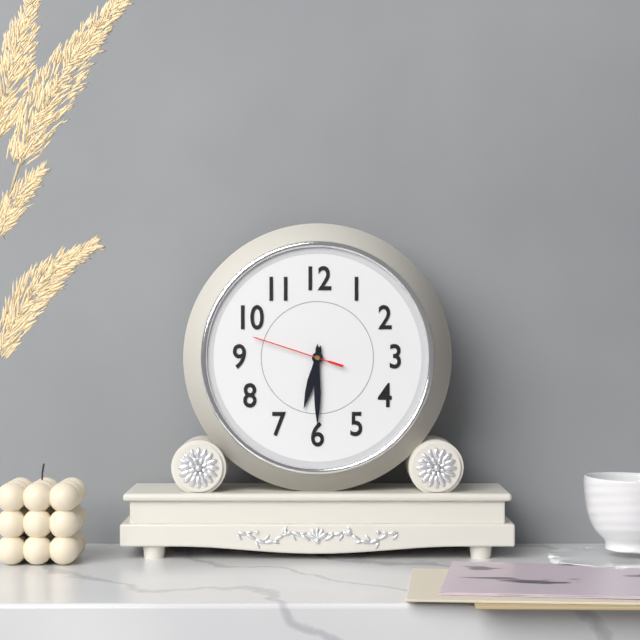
h=6 m=30 s=48
